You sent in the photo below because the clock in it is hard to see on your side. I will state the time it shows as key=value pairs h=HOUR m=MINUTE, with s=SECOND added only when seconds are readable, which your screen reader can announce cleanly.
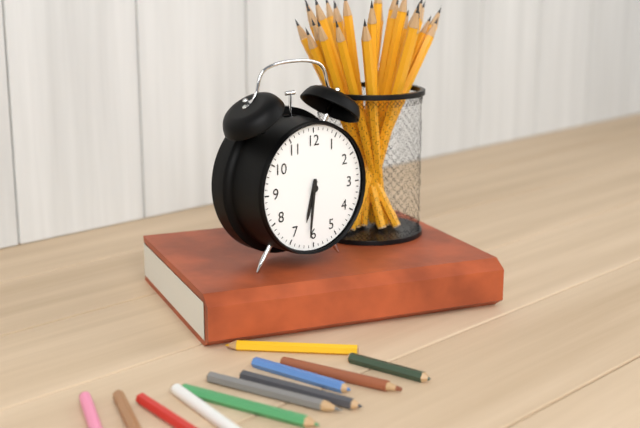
h=6 m=31
